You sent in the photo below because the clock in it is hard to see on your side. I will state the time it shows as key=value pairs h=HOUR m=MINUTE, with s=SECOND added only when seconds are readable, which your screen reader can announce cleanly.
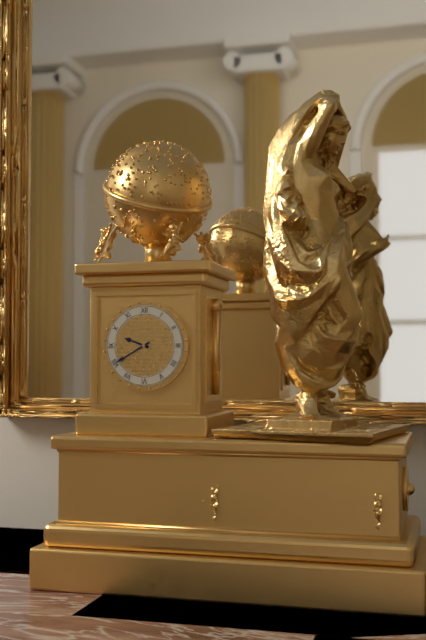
h=9 m=40
